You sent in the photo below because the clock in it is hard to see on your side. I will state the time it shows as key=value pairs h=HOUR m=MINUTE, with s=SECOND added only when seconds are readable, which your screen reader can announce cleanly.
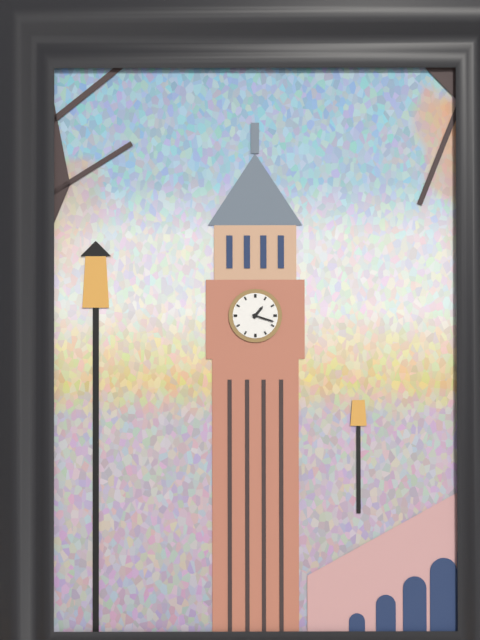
h=1 m=18
